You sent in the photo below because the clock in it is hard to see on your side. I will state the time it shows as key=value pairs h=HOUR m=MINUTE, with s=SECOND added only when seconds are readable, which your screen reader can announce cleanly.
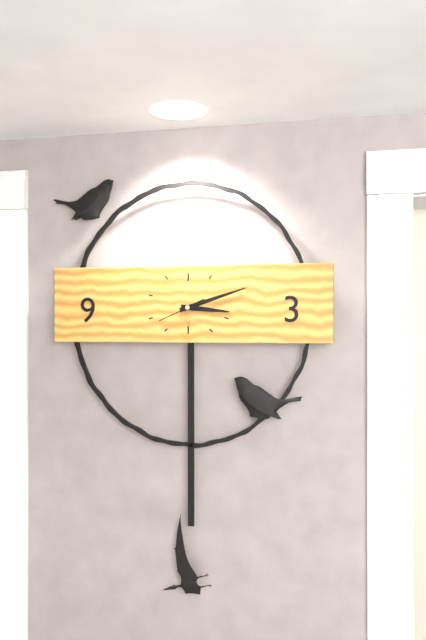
h=3 m=12
